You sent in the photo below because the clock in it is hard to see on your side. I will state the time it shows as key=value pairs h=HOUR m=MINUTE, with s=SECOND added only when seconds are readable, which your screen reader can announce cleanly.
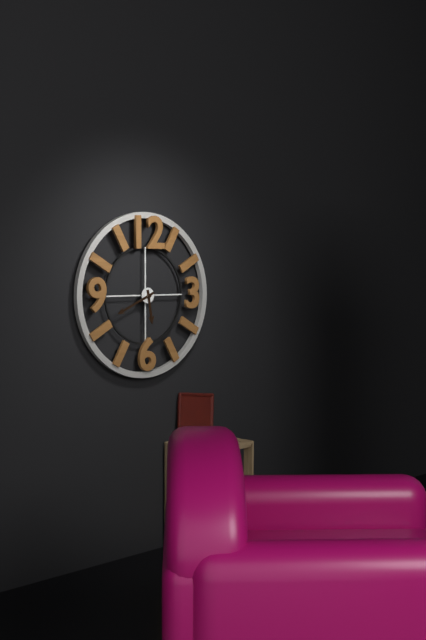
h=5 m=41
